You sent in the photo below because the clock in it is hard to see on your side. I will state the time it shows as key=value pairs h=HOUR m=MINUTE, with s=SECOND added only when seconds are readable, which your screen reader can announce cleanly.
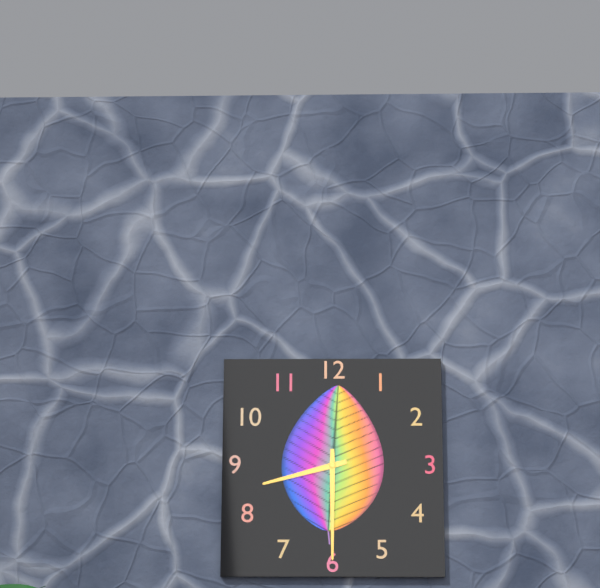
h=8 m=30
